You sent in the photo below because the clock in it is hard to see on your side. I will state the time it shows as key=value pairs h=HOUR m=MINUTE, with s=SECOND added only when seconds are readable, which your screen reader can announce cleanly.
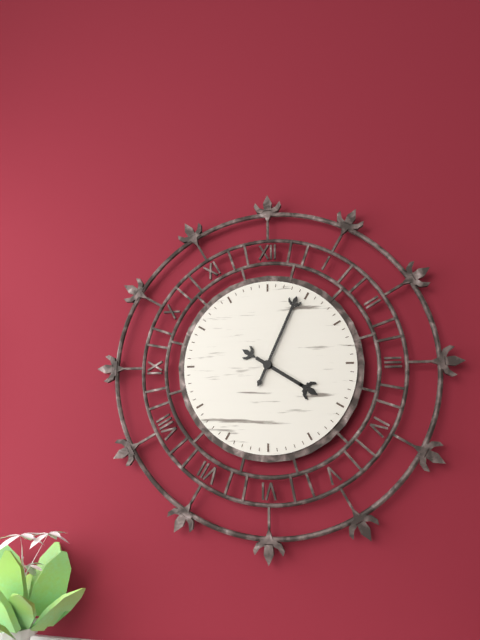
h=4 m=4
